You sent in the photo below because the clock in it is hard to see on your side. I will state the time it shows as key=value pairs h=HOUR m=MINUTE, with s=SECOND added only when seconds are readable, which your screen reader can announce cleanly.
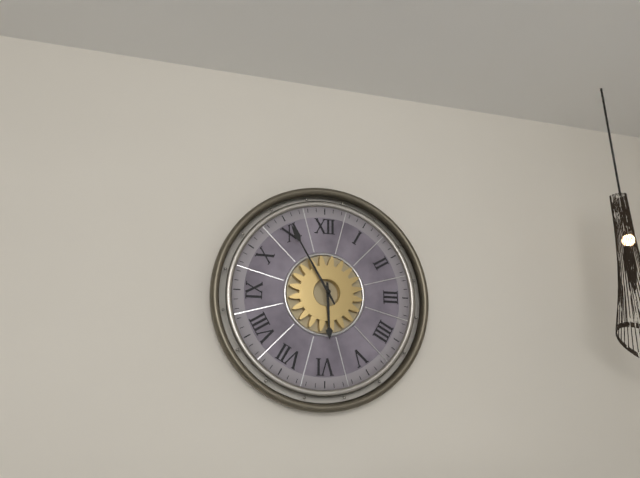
h=5 m=55
